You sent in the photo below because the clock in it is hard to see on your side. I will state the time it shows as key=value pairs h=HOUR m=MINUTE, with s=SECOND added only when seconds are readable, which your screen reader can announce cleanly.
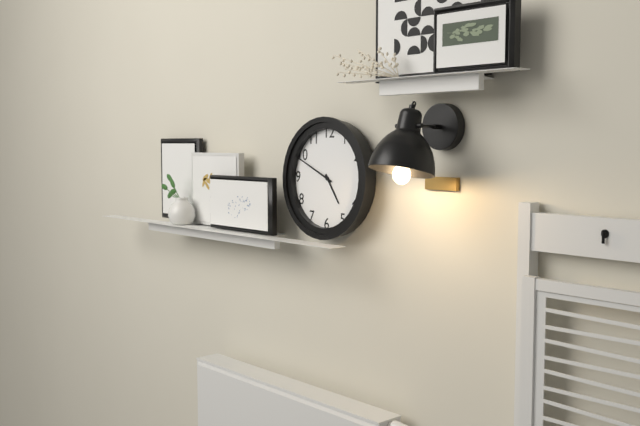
h=4 m=49
